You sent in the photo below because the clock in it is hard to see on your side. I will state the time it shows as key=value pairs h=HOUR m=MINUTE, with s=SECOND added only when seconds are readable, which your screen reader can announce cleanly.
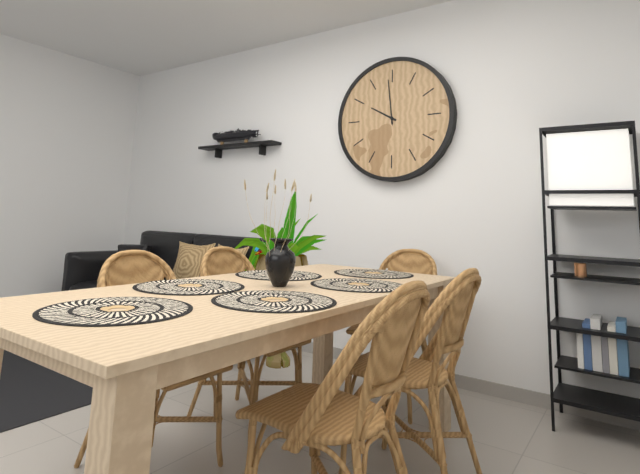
h=9 m=59
